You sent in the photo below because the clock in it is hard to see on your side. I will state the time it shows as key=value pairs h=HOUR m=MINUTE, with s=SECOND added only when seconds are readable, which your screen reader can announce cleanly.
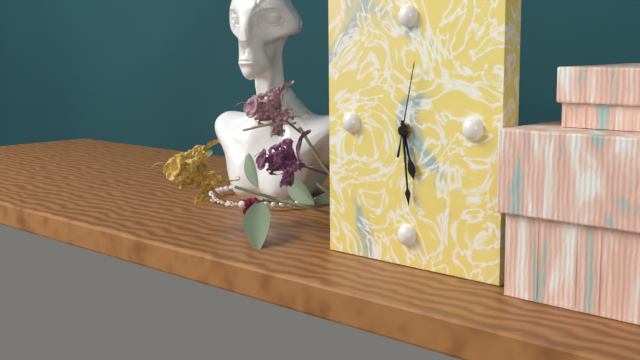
h=5 m=29 s=2
